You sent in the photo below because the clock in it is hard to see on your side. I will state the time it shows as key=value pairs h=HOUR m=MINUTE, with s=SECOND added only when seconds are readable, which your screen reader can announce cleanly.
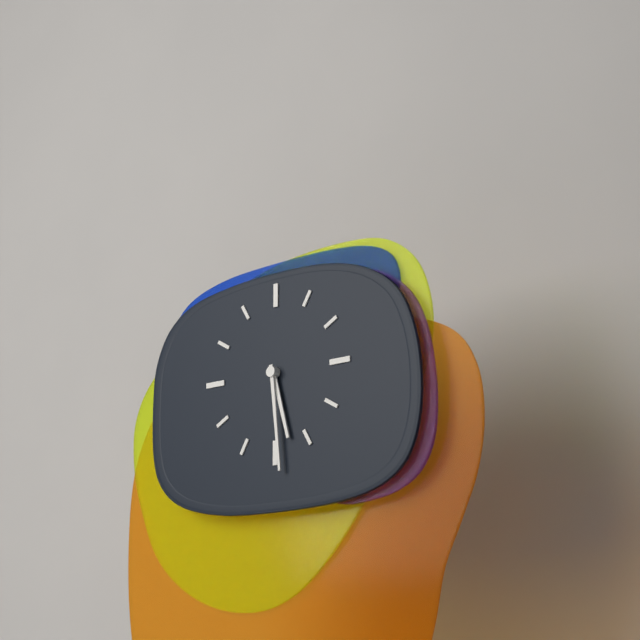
h=5 m=29
